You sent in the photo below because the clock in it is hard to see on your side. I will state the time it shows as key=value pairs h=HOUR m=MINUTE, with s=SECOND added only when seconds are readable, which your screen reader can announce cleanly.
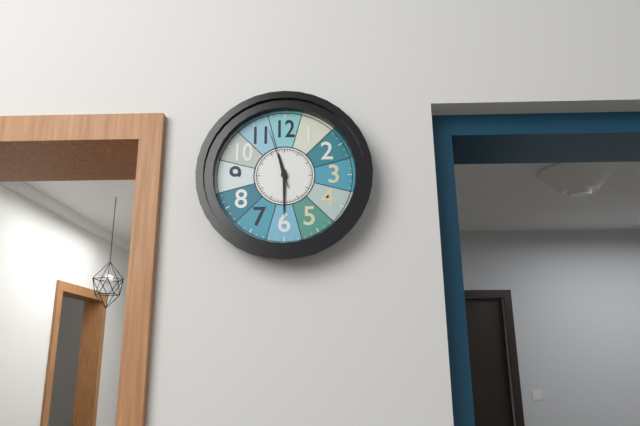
h=11 m=30 s=57
